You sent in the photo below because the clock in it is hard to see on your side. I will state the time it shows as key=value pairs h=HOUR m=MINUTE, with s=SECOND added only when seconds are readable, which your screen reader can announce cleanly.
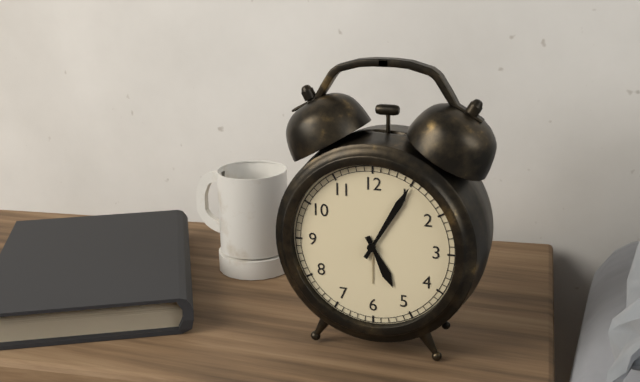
h=5 m=5
